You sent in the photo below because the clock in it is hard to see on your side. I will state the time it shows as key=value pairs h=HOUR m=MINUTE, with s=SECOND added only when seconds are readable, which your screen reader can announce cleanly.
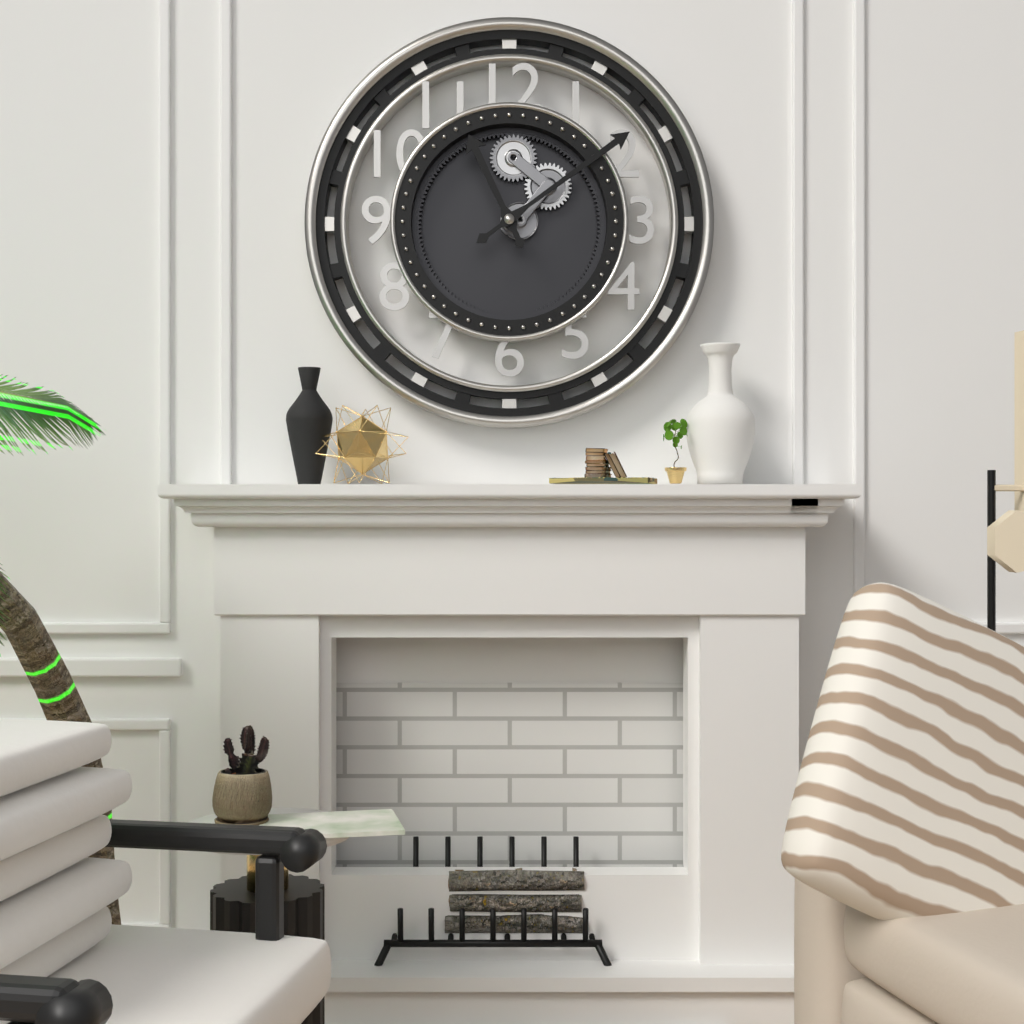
h=11 m=9
